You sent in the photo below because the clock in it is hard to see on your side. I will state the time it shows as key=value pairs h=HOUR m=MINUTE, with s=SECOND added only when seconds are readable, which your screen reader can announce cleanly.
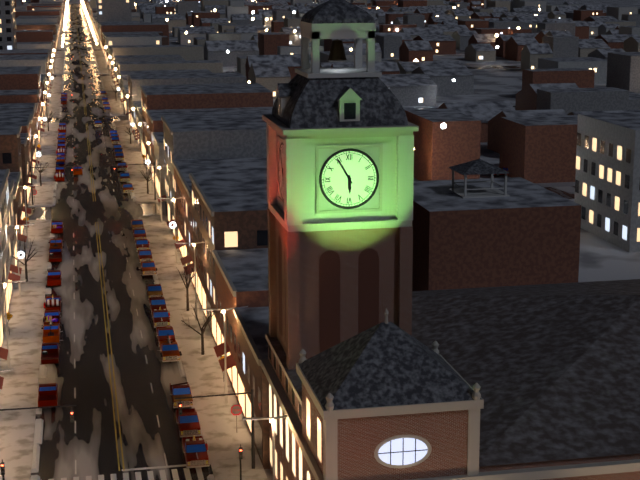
h=5 m=55
